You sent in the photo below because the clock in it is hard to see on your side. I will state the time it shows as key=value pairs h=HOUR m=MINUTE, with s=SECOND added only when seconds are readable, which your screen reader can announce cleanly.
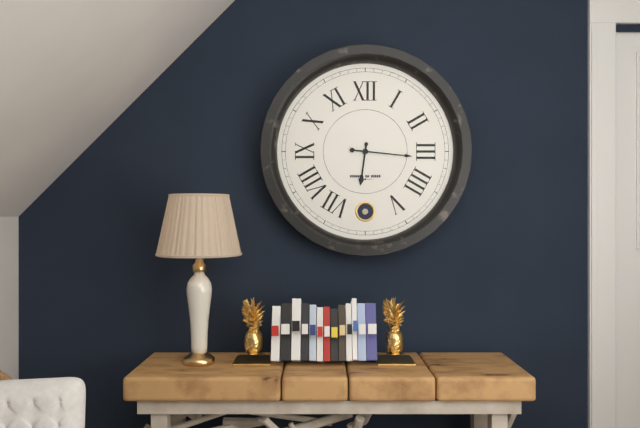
h=6 m=16
